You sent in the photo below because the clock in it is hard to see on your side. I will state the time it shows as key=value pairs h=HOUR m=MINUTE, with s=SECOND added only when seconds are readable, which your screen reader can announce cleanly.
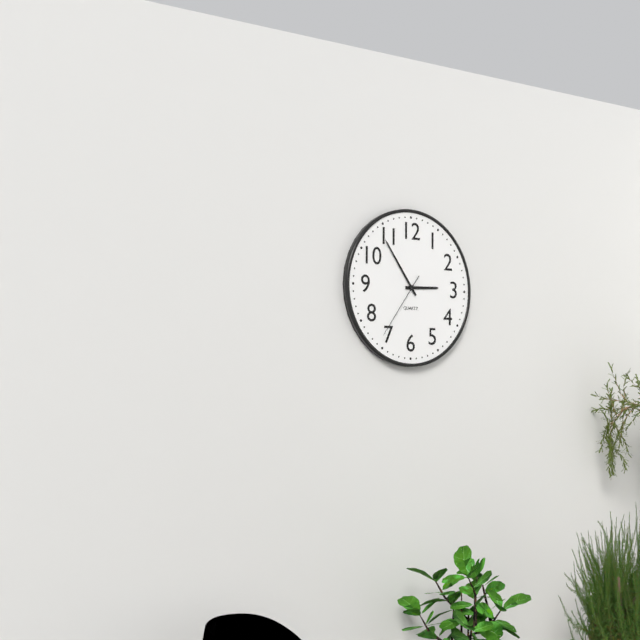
h=2 m=54 s=36
